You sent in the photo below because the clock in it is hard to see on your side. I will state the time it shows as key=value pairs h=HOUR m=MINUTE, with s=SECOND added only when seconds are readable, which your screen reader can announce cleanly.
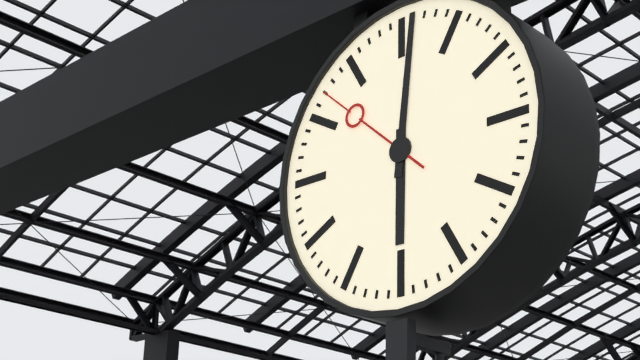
h=6 m=1 s=52
